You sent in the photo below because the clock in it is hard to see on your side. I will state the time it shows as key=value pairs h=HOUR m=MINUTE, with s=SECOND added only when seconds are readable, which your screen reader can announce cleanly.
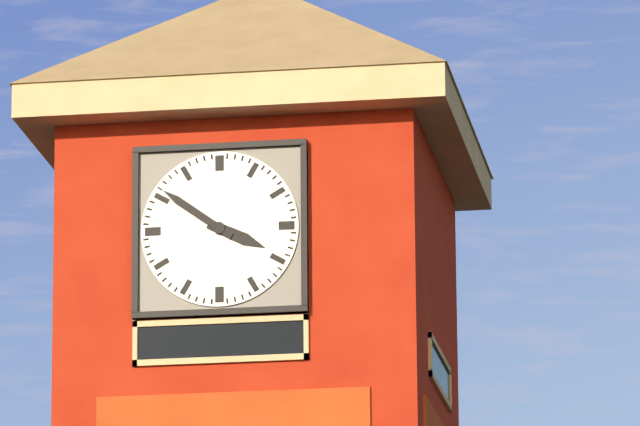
h=3 m=51
